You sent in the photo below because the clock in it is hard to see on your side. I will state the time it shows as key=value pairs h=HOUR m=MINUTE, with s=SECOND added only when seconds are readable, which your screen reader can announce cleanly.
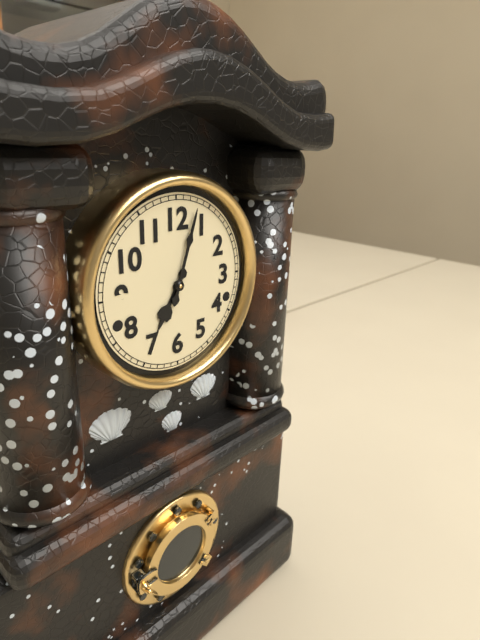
h=7 m=3
